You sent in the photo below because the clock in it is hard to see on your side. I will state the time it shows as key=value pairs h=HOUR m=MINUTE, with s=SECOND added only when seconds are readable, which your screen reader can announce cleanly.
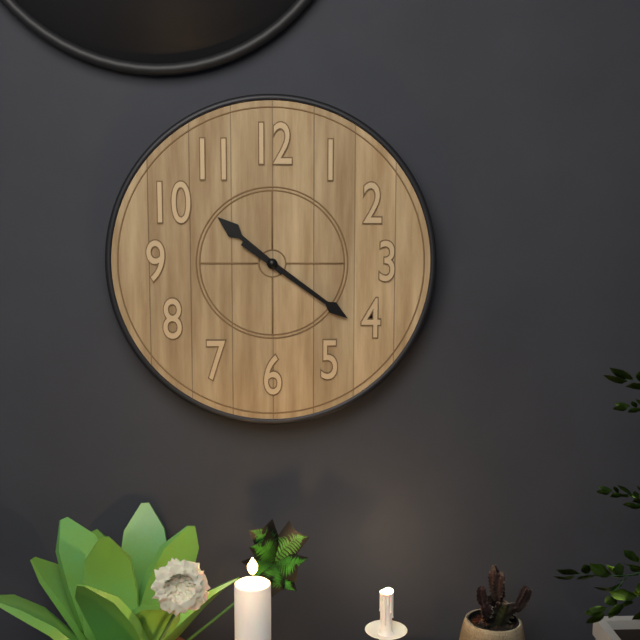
h=10 m=21
